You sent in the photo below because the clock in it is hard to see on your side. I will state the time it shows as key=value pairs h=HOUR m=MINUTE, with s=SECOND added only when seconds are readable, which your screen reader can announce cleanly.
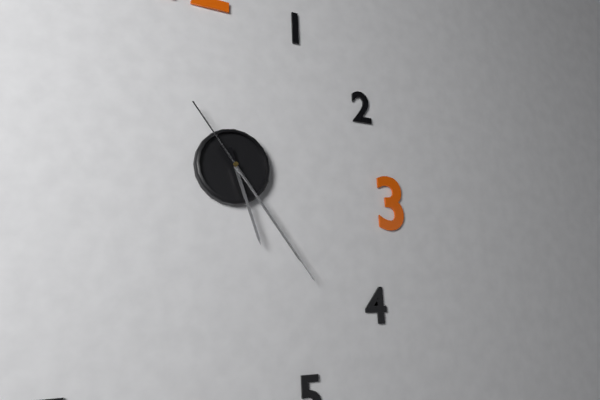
h=5 m=24 s=24
